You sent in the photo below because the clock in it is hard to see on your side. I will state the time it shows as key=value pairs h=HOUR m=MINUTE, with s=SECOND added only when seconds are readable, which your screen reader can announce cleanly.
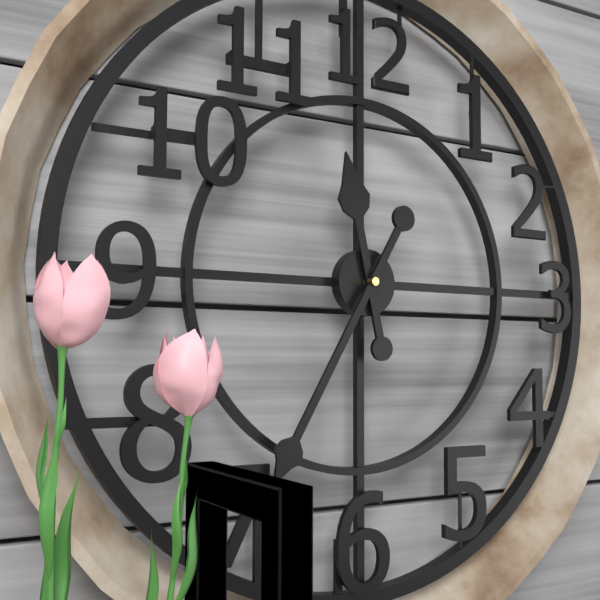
h=11 m=35
